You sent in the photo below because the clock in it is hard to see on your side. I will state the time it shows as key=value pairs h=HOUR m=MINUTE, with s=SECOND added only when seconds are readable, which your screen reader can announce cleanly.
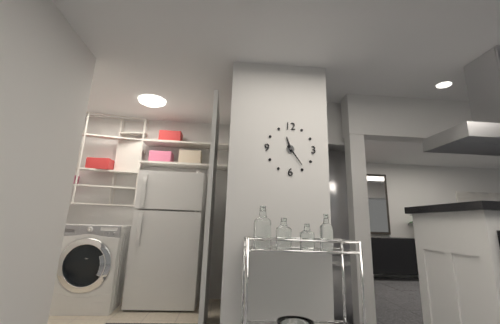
h=11 m=24
